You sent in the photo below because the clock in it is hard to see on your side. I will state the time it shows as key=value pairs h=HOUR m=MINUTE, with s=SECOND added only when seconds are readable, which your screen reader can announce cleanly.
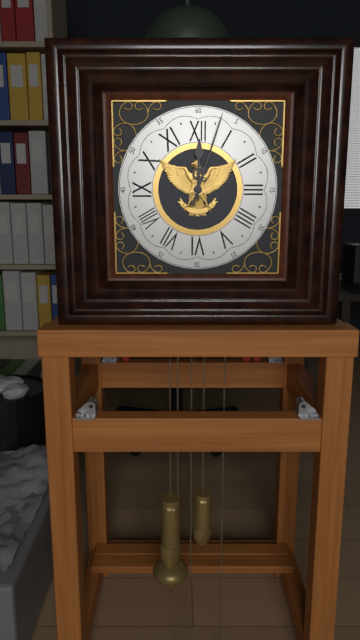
h=12 m=3
